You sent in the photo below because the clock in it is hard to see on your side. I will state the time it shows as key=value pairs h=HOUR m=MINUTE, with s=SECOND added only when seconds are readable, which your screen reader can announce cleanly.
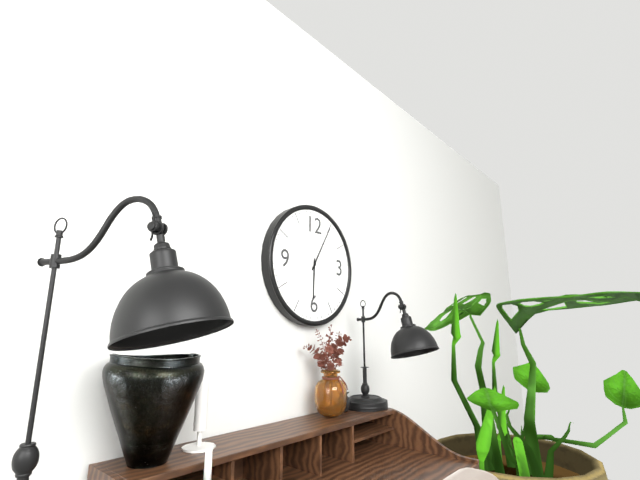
h=6 m=5
